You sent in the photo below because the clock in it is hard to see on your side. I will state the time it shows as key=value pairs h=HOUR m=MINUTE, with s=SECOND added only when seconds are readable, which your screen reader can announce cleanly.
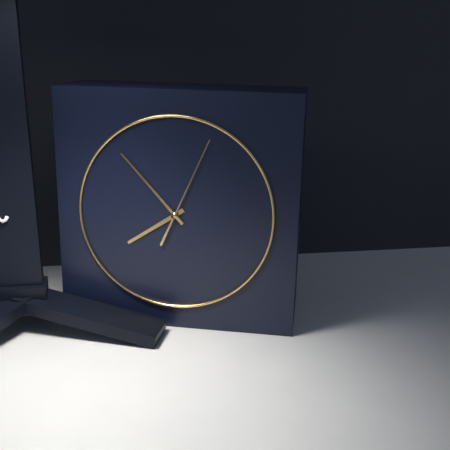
h=7 m=53 s=4
